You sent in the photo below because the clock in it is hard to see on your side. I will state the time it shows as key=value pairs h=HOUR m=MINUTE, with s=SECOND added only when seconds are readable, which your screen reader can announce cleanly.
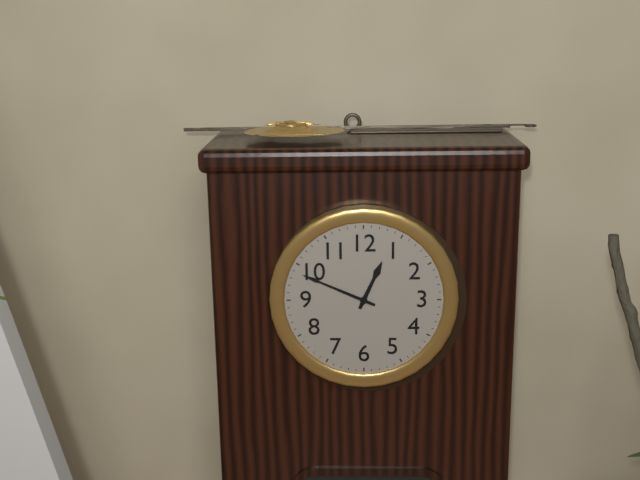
h=12 m=49
